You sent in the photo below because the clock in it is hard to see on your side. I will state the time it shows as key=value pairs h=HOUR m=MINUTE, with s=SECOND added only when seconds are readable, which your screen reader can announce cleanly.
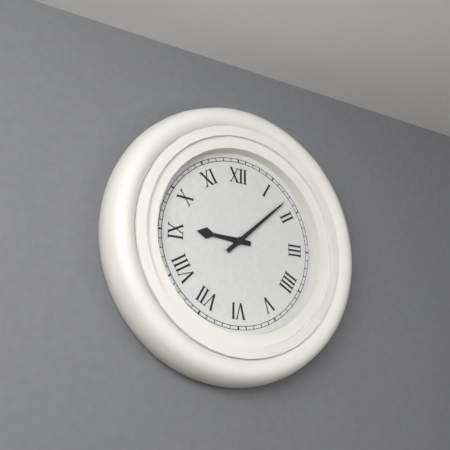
h=9 m=8
